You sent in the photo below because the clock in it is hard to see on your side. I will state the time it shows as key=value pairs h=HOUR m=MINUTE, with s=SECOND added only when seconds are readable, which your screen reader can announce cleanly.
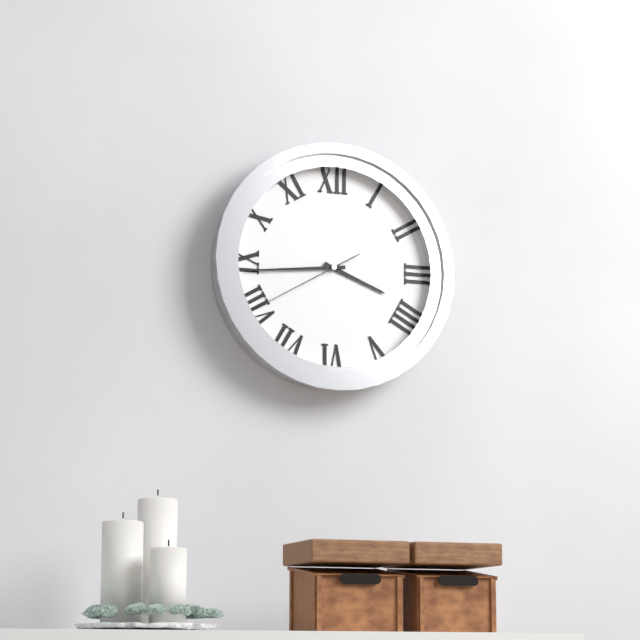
h=3 m=44 s=40
